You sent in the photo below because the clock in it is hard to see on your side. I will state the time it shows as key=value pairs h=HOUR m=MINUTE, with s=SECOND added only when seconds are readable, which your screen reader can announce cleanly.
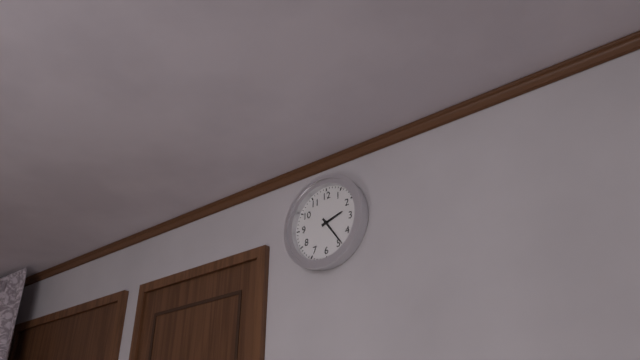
h=2 m=24
